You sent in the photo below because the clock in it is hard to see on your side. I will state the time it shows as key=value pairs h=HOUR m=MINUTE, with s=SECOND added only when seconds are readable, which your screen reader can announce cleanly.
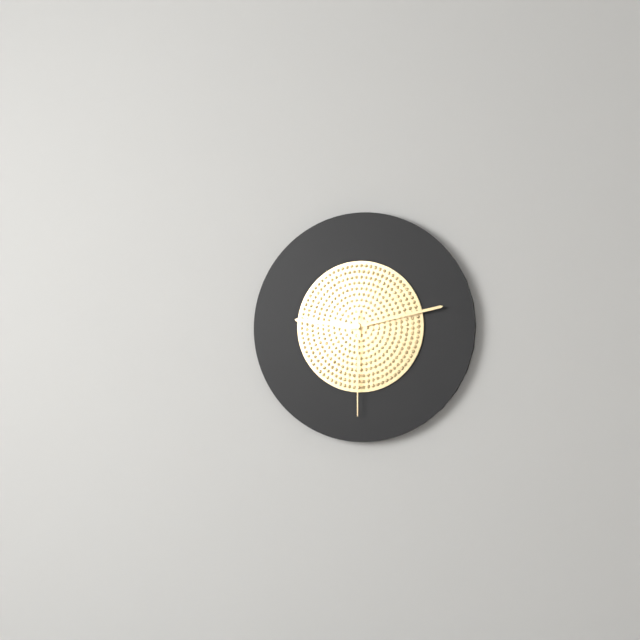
h=9 m=13 s=30
